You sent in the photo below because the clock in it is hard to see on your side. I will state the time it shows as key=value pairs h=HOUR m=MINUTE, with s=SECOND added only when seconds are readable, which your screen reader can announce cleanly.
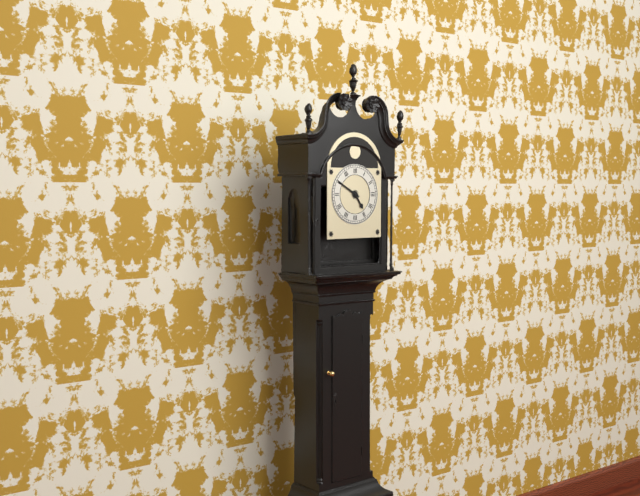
h=4 m=50
